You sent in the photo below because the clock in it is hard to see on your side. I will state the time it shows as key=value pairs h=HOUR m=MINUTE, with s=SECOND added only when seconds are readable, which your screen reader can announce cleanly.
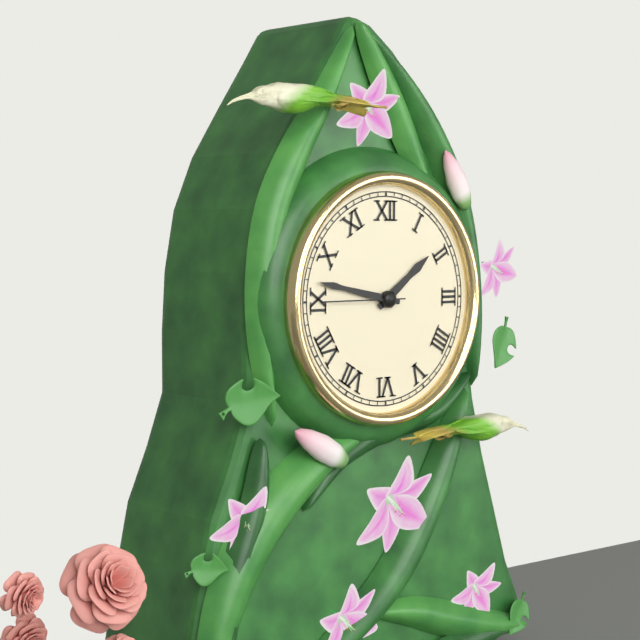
h=1 m=47
